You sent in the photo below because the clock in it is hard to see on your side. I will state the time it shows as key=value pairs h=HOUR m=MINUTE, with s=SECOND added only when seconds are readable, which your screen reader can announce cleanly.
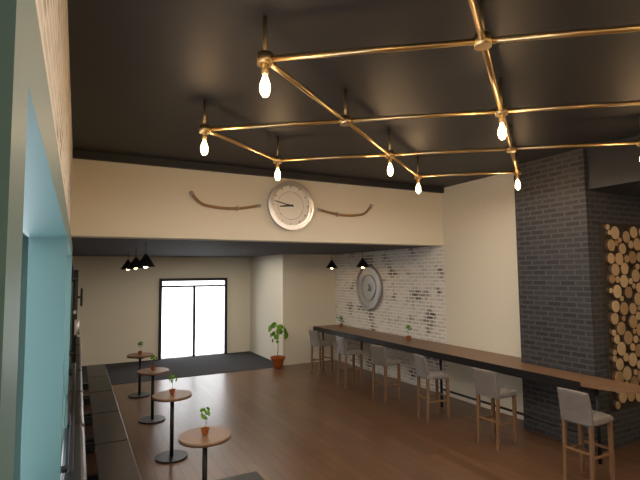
h=8 m=47
